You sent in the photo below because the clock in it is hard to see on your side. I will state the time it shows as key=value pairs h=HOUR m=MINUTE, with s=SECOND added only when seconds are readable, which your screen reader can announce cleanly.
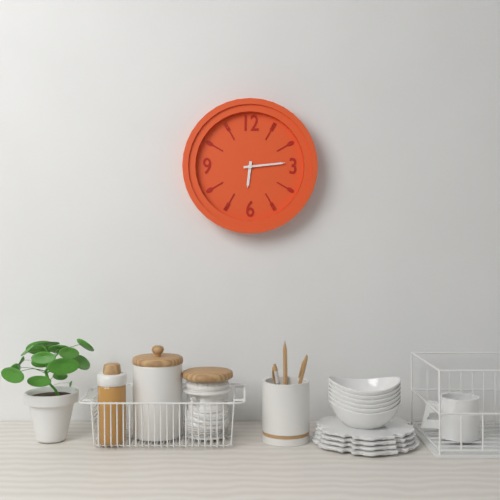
h=6 m=14
